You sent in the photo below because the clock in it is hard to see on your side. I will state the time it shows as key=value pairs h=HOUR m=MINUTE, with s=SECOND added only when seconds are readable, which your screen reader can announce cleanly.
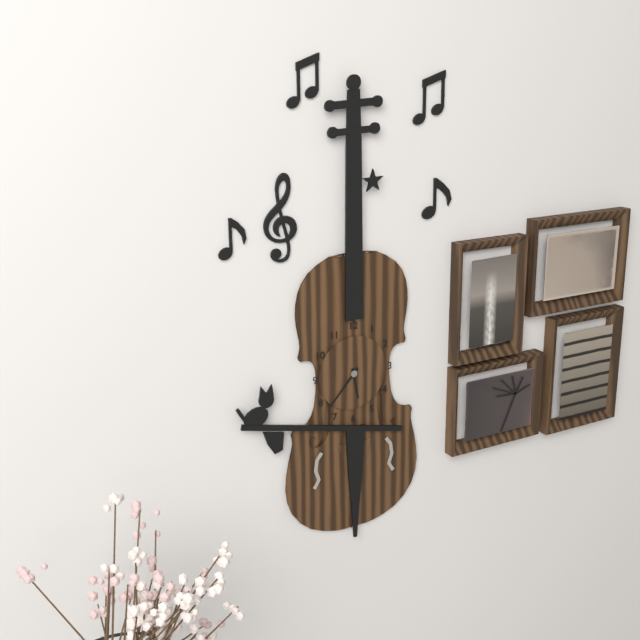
h=5 m=37
